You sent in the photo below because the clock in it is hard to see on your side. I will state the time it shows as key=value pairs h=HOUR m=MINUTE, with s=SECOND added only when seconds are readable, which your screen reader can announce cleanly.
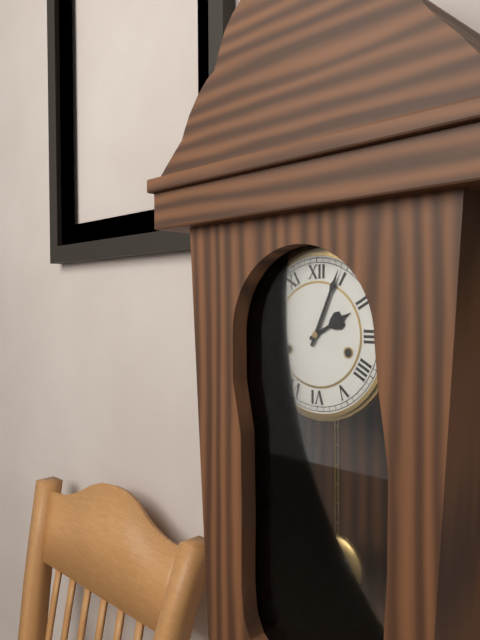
h=2 m=4
